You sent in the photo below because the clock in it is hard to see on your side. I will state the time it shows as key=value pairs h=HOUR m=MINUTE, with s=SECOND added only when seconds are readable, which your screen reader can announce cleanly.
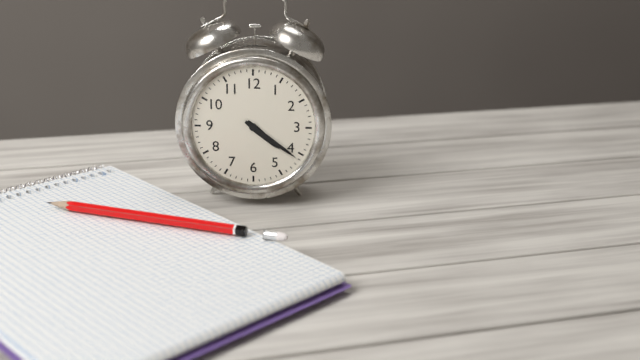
h=4 m=21
